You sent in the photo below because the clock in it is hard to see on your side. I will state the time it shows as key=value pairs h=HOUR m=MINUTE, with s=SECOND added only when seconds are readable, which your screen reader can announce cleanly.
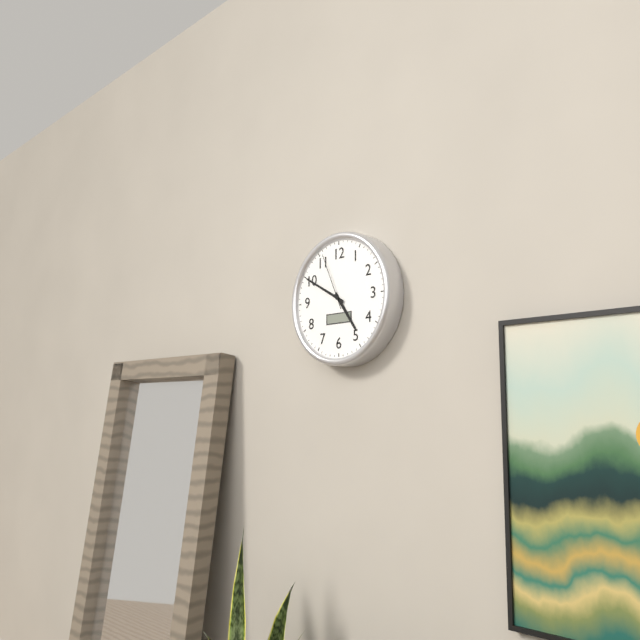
h=4 m=50 s=56
